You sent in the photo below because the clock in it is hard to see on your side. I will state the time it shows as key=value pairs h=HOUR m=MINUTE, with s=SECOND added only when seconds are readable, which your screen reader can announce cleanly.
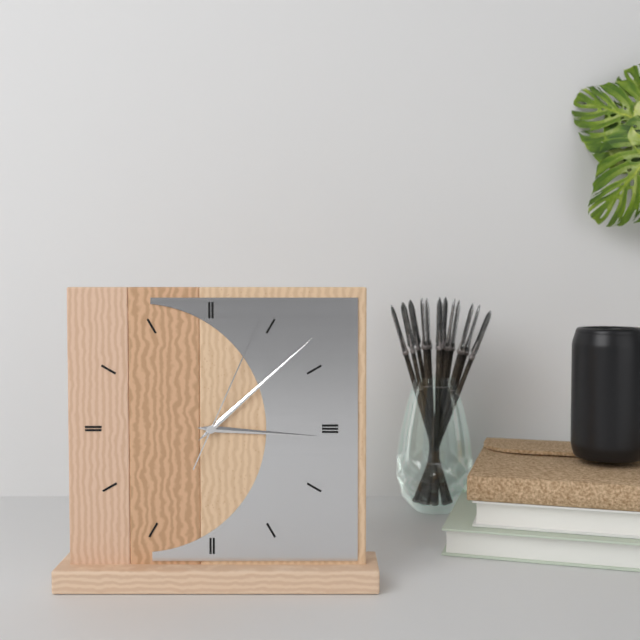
h=3 m=8 s=4
